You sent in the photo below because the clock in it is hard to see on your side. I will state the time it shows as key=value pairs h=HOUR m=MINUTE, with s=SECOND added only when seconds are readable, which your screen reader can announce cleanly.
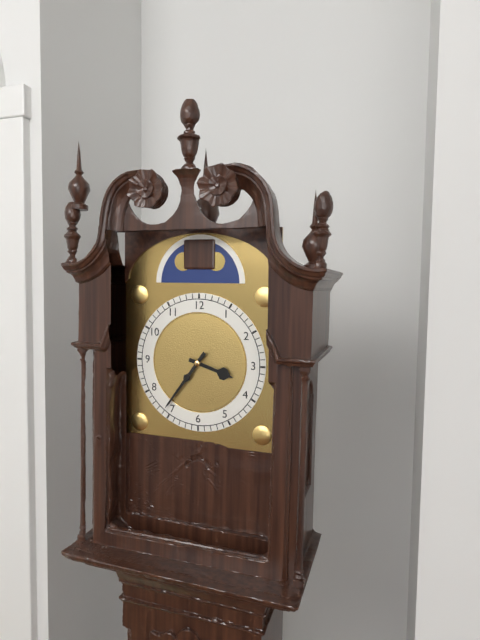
h=3 m=36
